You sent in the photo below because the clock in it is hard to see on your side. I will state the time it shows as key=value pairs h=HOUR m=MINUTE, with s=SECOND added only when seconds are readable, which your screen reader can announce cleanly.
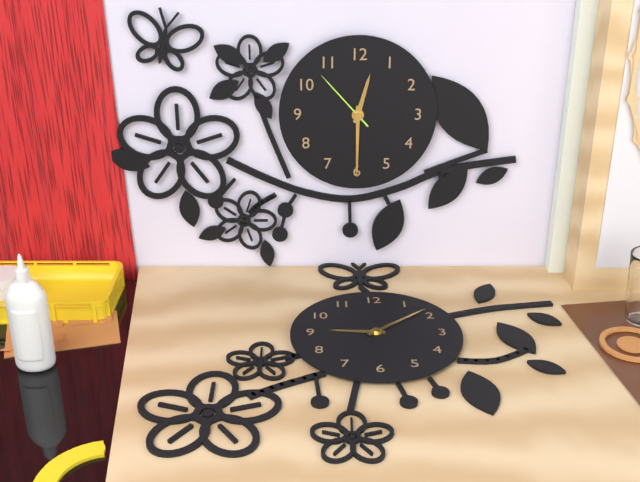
h=12 m=30 s=53
